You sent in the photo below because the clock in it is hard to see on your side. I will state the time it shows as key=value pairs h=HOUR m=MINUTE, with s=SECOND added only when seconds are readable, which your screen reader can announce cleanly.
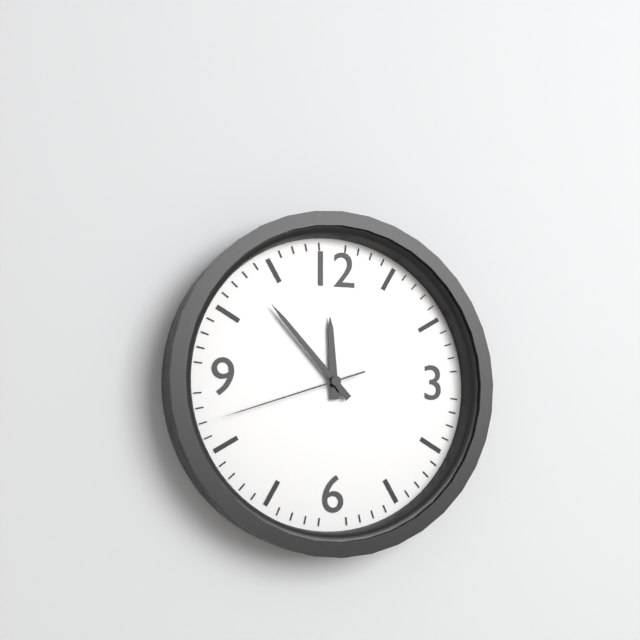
h=11 m=53 s=42
